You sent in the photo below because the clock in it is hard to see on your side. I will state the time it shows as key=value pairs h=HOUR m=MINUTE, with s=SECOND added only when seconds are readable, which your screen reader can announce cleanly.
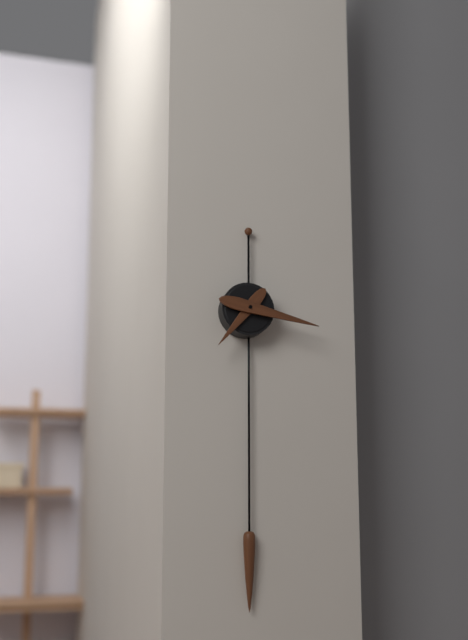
h=7 m=17
